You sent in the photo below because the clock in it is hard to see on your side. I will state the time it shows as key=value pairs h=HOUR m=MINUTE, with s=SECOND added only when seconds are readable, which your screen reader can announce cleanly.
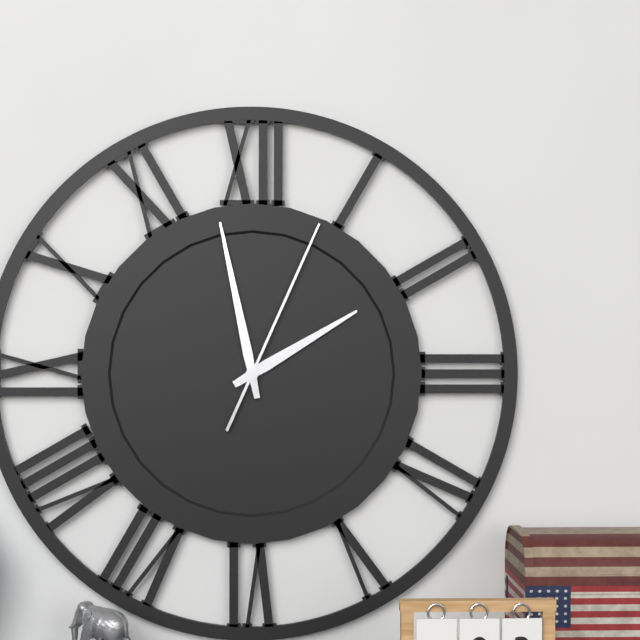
h=1 m=58 s=4
